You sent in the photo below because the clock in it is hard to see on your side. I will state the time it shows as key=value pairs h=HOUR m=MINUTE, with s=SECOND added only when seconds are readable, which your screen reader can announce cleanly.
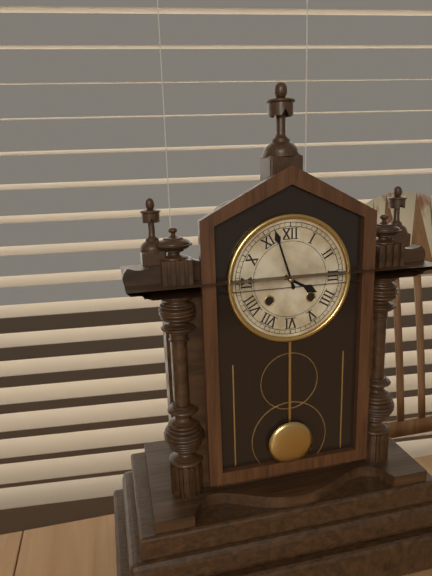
h=3 m=57
